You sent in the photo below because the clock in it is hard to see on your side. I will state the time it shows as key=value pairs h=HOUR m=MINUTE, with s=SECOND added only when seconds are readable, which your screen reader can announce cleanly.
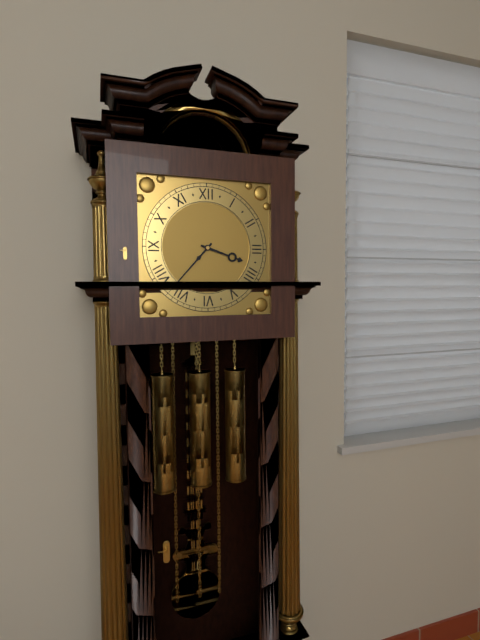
h=3 m=37
